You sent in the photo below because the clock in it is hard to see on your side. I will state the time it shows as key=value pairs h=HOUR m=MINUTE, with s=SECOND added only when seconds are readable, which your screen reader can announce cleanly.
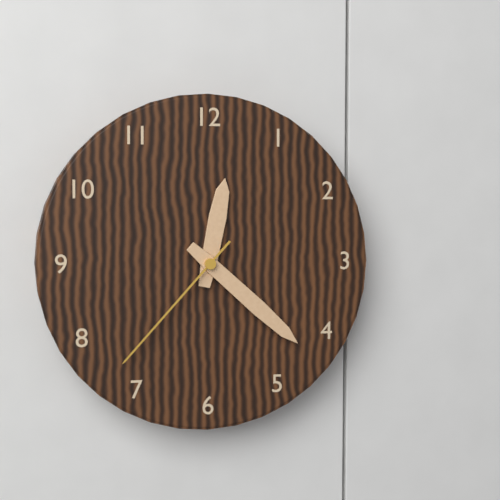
h=12 m=22 s=37
